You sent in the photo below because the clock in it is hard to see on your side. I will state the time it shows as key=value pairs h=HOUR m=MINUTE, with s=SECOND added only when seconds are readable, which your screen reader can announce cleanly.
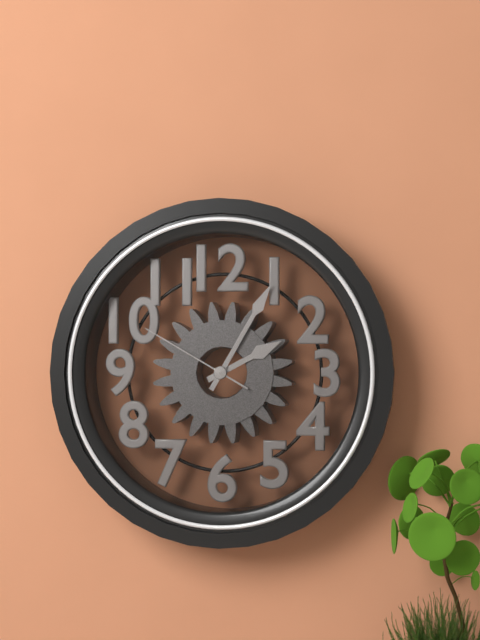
h=2 m=5 s=50
